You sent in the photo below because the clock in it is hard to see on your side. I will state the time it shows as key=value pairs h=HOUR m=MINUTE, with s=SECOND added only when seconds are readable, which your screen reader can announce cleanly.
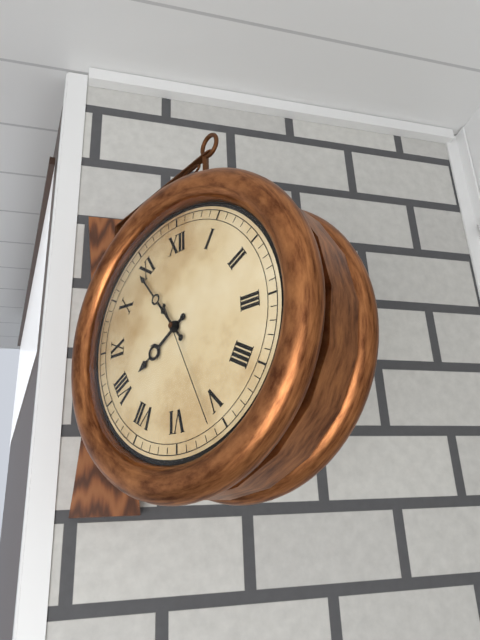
h=7 m=54 s=26
